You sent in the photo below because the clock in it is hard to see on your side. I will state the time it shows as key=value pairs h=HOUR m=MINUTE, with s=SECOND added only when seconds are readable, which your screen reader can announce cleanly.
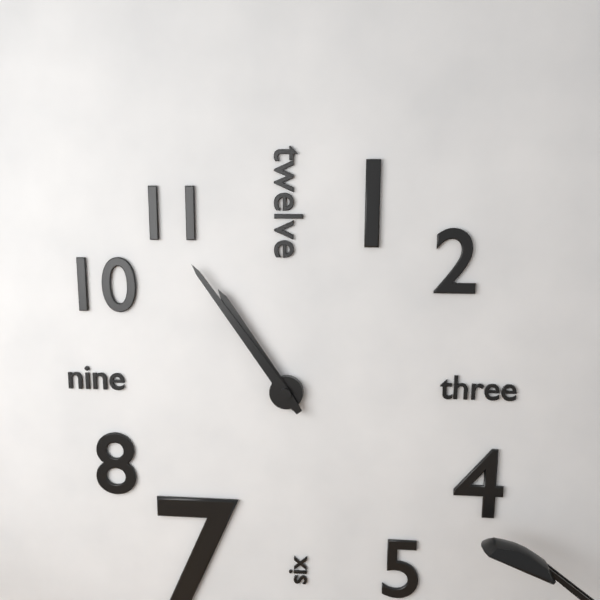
h=10 m=54
